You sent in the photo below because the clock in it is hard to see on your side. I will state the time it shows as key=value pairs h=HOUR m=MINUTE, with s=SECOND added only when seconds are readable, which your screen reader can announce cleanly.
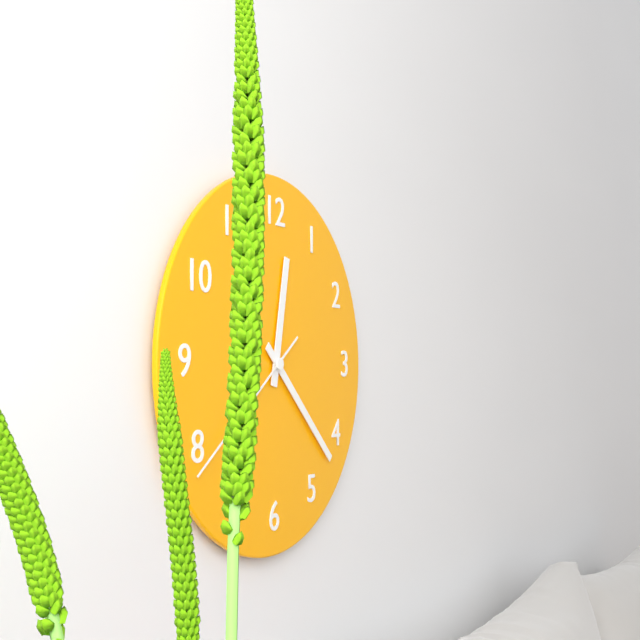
h=12 m=22 s=39
